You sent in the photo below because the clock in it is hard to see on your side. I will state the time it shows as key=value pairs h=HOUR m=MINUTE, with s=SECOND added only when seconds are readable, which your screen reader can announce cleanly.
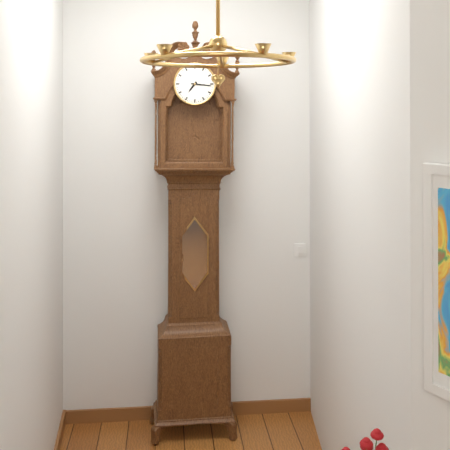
h=7 m=16
